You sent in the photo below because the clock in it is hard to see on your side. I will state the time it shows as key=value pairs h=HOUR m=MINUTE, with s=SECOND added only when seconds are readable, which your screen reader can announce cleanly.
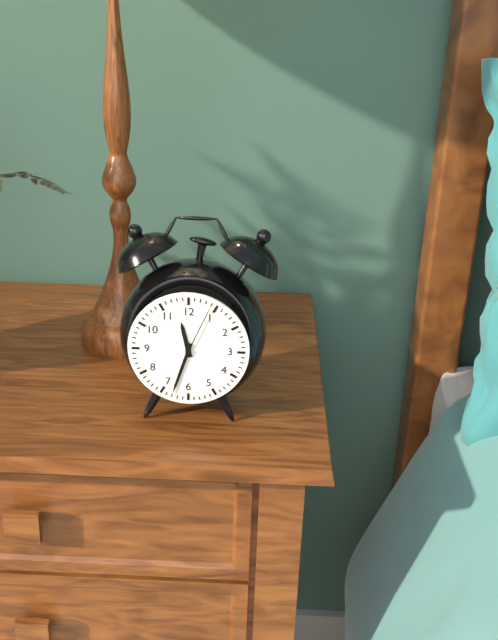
h=11 m=33 s=4
